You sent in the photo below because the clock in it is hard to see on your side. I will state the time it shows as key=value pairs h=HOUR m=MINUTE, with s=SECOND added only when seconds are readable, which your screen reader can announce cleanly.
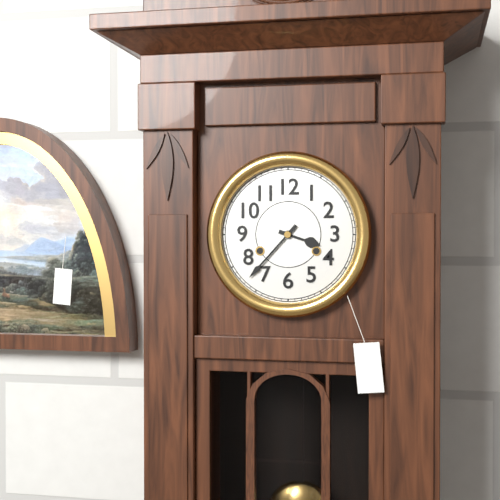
h=3 m=37
